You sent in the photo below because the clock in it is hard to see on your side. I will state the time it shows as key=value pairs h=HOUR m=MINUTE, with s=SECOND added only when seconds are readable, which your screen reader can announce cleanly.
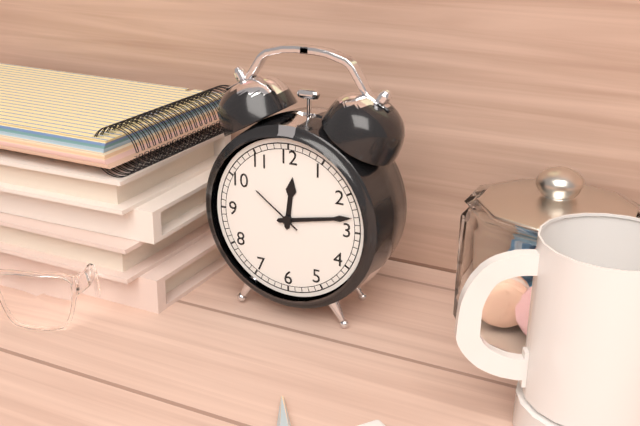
h=12 m=13 s=51
